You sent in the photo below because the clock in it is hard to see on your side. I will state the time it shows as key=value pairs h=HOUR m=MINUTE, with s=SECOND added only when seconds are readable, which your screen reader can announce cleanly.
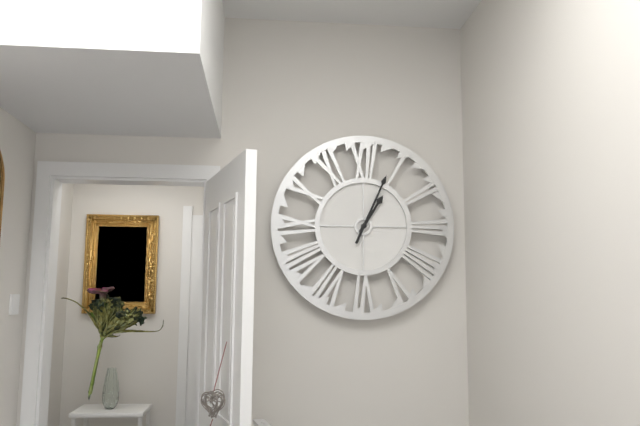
h=1 m=4
